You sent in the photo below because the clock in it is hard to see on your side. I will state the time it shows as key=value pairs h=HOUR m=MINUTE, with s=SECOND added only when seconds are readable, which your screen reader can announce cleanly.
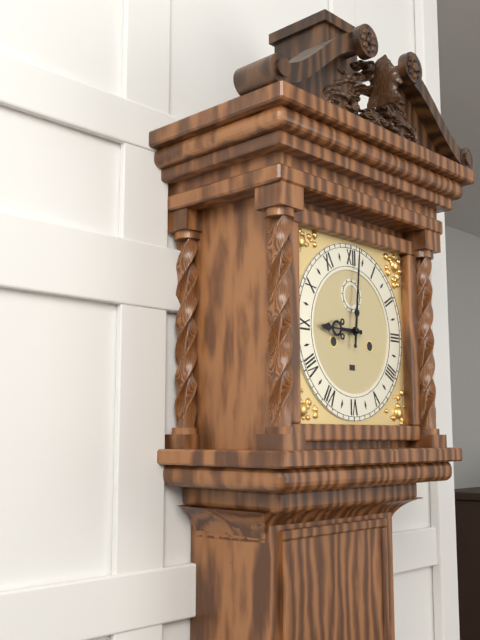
h=9 m=1
